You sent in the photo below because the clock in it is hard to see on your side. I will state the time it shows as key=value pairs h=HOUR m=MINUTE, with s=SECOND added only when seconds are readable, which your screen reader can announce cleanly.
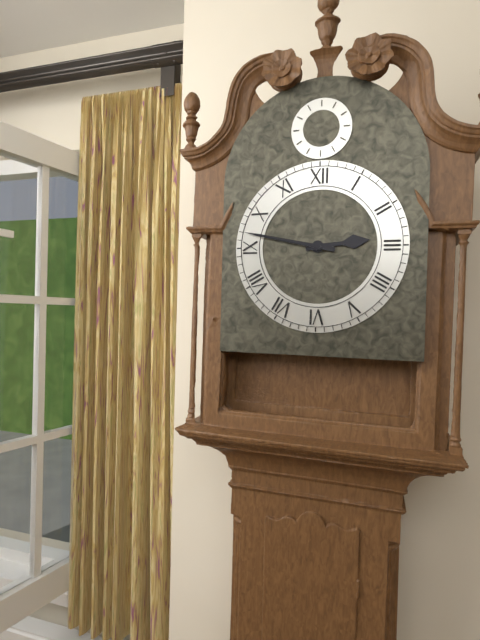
h=2 m=47
